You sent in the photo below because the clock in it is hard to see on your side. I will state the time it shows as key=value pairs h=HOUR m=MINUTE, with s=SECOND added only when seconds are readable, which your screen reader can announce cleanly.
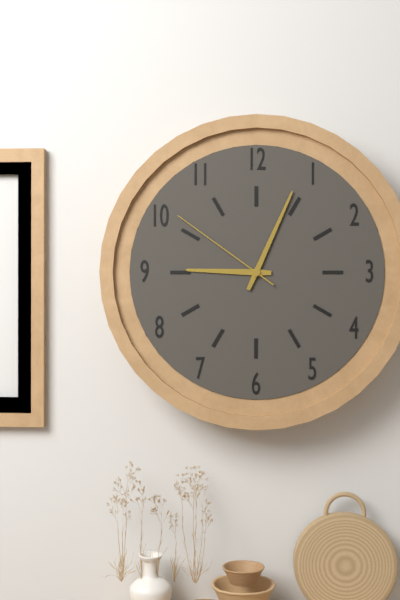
h=9 m=4 s=51
